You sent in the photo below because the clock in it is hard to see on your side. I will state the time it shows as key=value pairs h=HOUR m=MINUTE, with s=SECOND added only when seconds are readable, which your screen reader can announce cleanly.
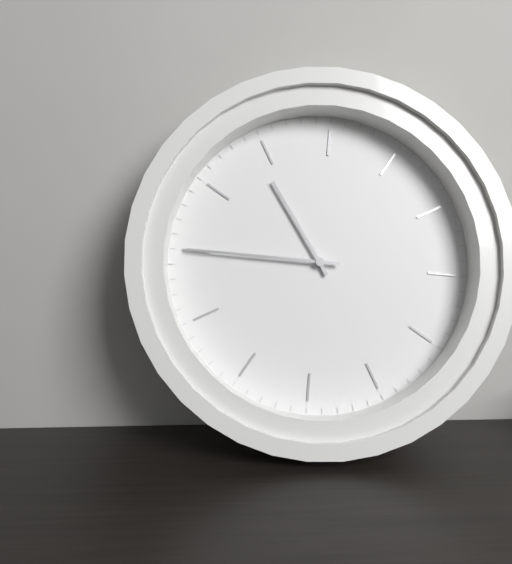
h=11 m=50
